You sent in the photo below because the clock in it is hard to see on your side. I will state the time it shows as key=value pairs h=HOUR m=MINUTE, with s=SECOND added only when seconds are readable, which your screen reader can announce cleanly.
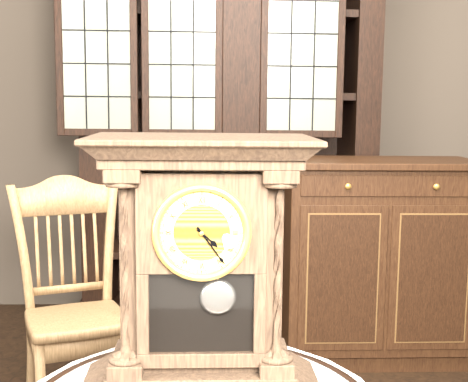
h=4 m=24
